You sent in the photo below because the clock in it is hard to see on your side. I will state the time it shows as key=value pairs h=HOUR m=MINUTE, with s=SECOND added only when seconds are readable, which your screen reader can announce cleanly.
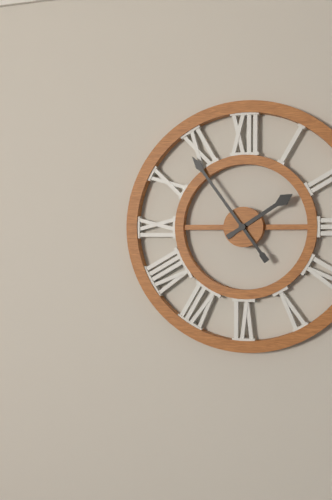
h=1 m=54
